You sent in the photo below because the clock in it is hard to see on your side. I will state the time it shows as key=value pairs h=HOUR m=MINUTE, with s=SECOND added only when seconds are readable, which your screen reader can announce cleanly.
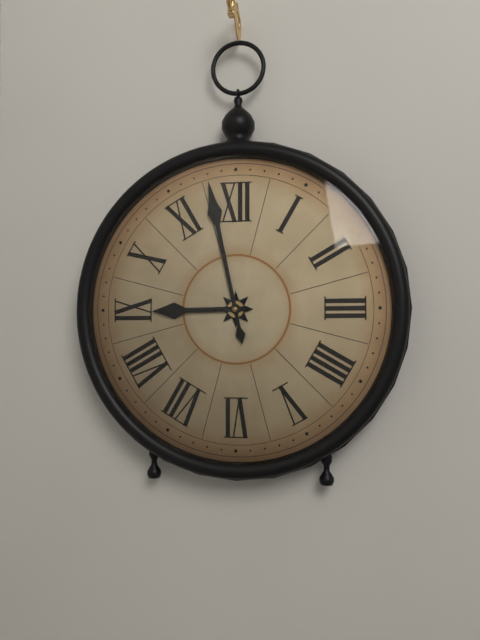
h=8 m=58
